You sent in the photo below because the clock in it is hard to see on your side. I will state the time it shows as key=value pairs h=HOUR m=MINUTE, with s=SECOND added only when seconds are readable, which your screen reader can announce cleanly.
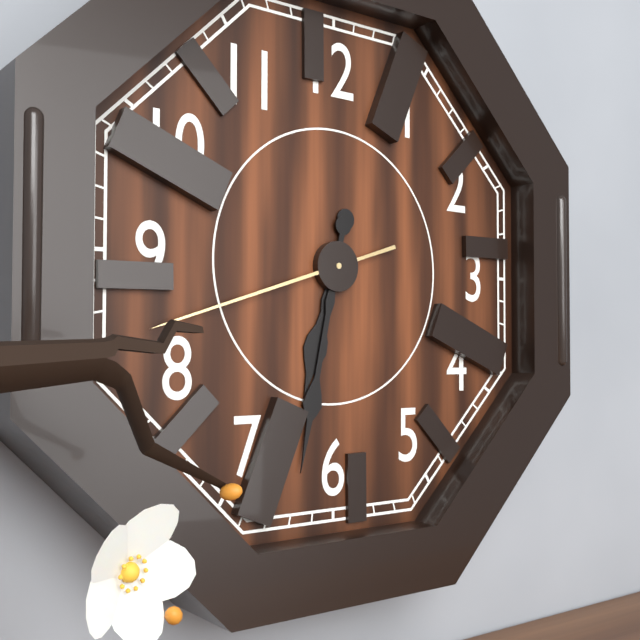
h=6 m=32 s=42
